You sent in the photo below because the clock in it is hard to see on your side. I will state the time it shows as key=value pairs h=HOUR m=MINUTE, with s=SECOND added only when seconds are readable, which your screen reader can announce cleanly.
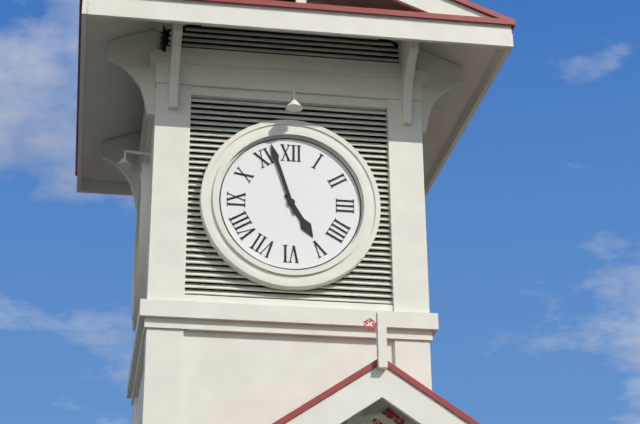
h=4 m=57
